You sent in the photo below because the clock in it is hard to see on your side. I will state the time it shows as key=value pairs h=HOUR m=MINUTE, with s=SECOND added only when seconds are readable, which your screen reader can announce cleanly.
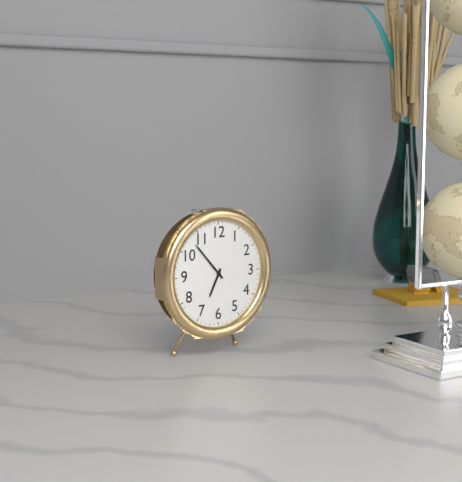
h=6 m=53
